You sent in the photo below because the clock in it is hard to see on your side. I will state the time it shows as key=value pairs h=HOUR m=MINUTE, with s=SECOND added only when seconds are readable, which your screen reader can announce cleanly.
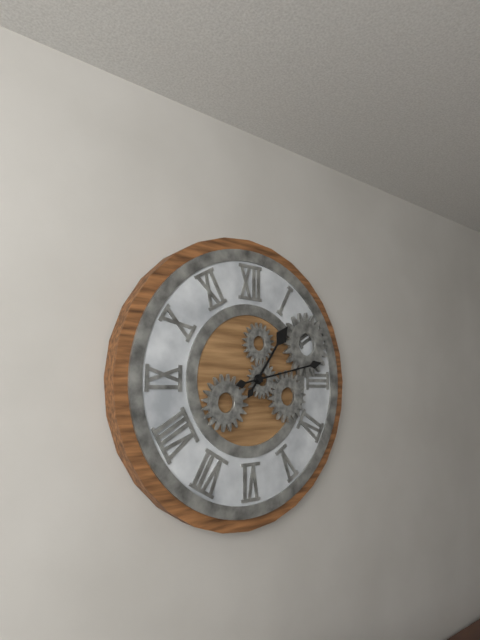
h=1 m=13
